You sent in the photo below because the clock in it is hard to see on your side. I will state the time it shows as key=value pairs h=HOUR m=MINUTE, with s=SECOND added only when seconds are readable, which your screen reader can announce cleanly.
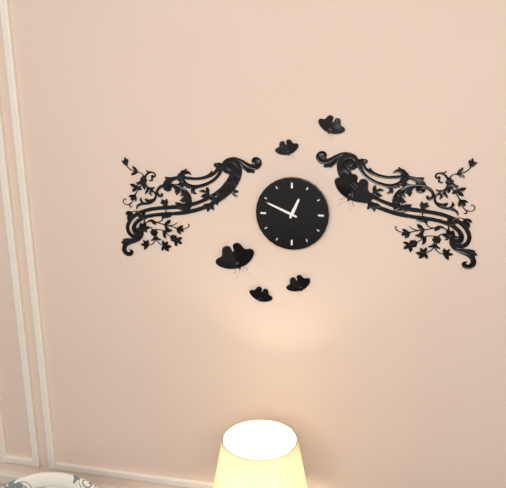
h=12 m=49
